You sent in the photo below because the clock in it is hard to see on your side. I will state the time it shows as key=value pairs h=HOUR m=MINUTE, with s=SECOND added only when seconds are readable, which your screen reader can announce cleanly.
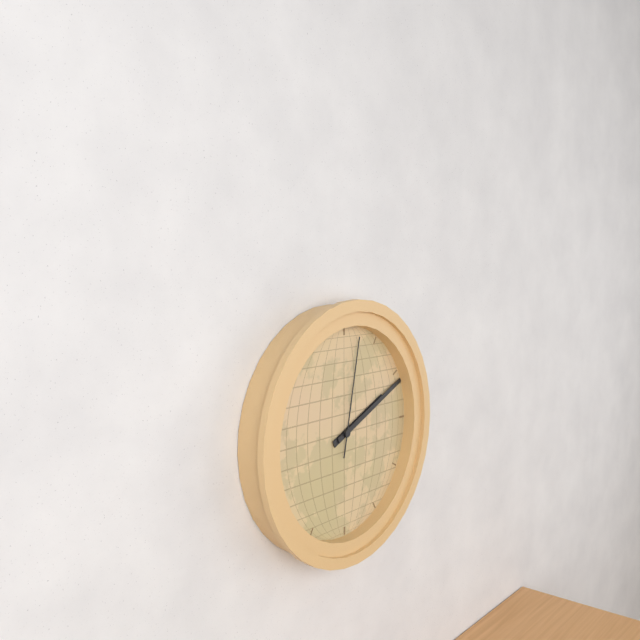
h=2 m=11 s=2
